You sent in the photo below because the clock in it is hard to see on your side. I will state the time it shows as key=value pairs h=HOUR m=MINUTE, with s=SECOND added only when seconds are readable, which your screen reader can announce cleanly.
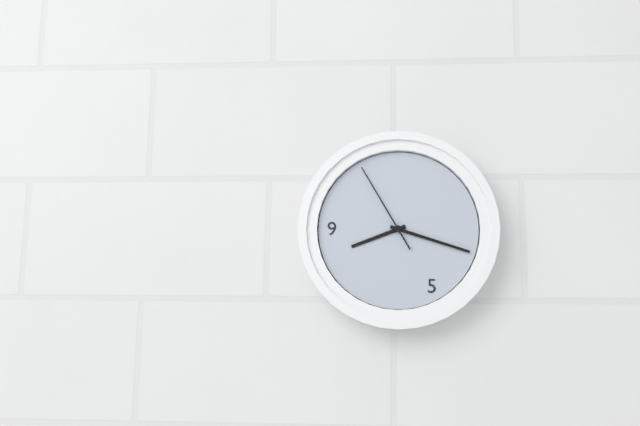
h=8 m=18 s=55
